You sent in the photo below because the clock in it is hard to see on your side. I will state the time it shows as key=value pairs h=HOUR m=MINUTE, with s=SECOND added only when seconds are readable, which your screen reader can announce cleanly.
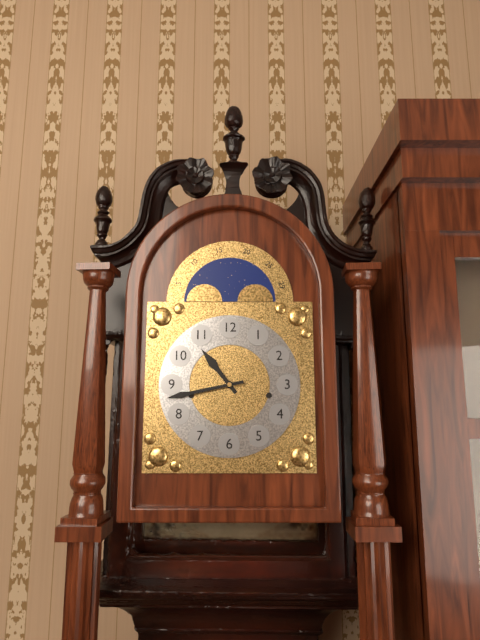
h=10 m=43
